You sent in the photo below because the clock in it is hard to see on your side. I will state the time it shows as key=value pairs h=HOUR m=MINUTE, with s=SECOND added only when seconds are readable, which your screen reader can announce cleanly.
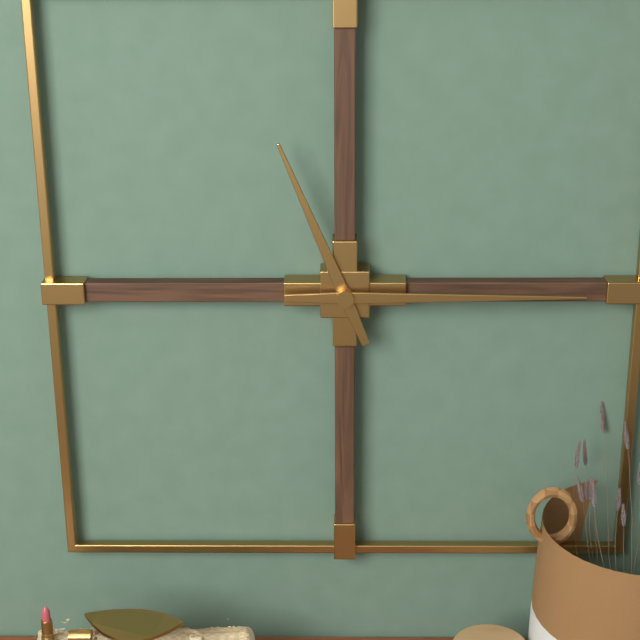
h=11 m=15
